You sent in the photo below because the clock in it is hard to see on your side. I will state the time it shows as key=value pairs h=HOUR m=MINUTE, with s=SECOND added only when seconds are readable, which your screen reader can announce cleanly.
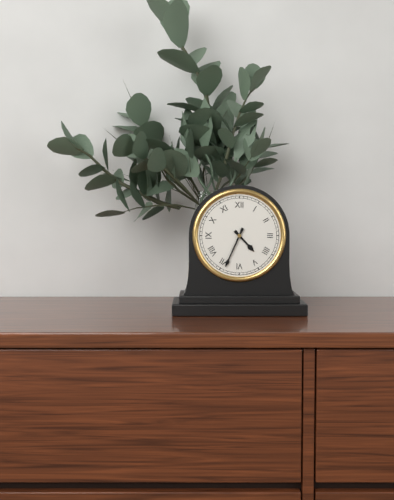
h=4 m=34
